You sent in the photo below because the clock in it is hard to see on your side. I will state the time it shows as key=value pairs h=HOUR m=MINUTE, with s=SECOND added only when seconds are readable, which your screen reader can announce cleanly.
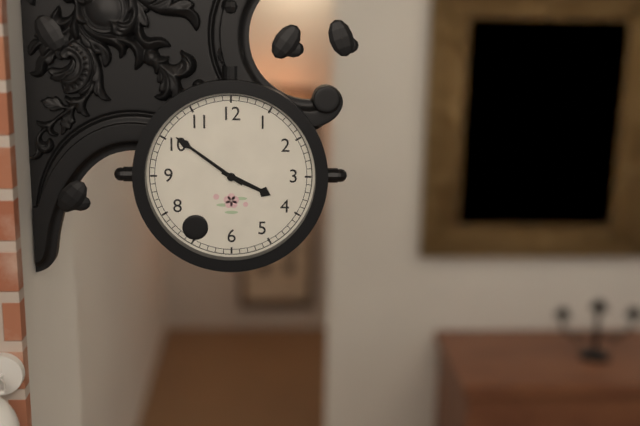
h=3 m=51
